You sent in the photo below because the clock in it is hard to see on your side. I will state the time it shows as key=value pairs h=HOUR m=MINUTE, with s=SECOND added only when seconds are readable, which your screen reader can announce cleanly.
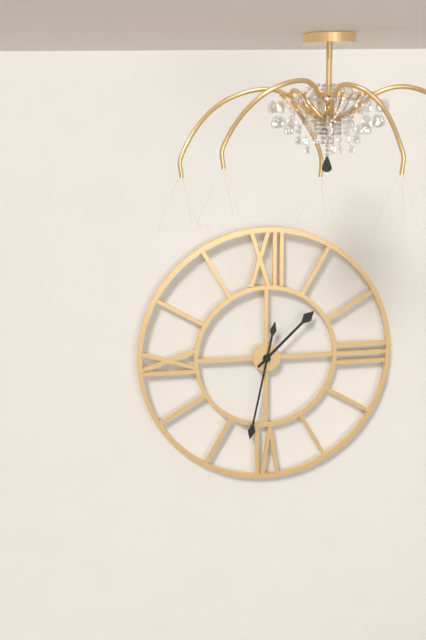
h=1 m=32
